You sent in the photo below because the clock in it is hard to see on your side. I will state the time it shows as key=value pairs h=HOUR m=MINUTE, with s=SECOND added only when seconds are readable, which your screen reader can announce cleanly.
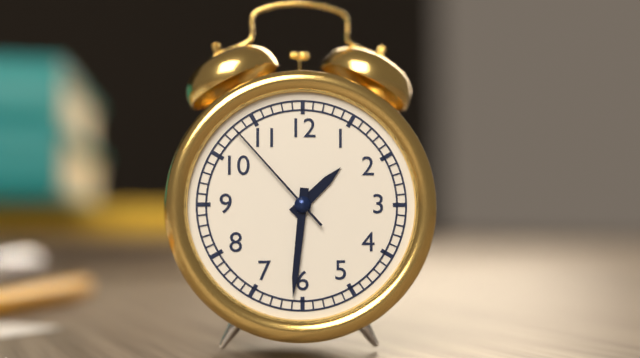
h=1 m=31 s=53
